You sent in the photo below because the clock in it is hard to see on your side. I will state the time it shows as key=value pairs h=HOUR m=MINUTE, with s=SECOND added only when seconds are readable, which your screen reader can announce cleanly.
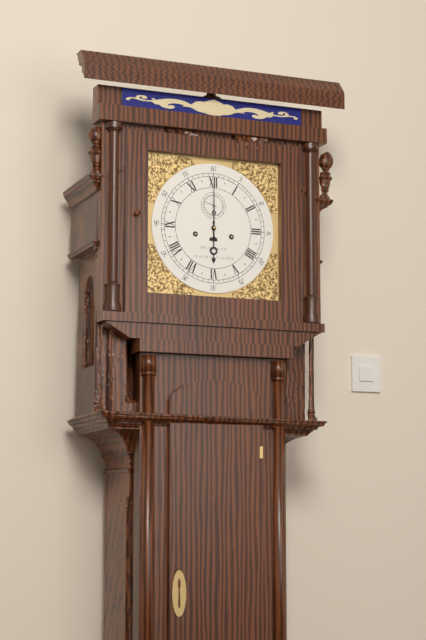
h=6 m=0
